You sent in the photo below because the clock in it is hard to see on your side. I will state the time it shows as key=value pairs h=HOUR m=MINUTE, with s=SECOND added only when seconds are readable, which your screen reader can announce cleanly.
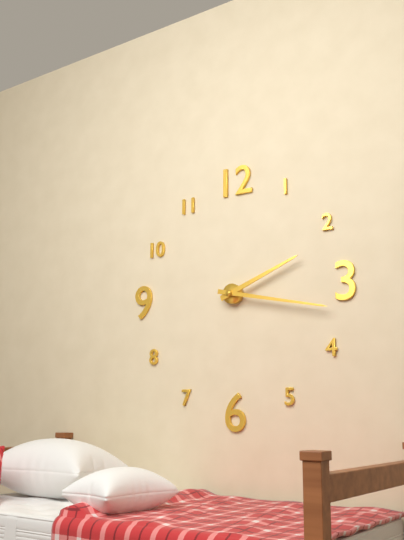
h=2 m=17
